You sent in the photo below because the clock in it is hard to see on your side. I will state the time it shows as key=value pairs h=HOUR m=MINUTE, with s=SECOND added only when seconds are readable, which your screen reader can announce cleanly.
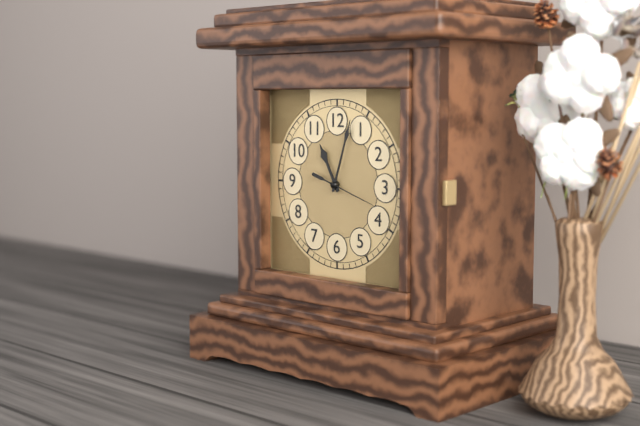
h=11 m=3 s=18
